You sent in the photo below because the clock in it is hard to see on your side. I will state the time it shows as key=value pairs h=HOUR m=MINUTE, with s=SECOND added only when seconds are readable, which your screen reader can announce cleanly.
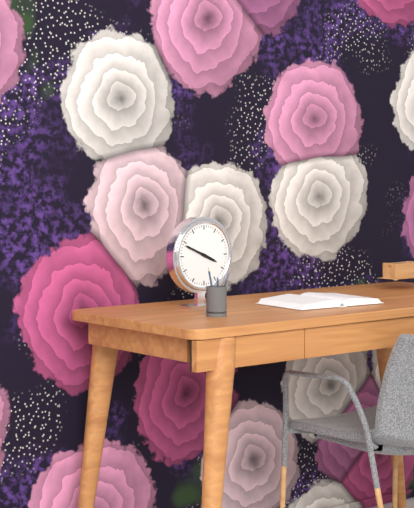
h=3 m=49
